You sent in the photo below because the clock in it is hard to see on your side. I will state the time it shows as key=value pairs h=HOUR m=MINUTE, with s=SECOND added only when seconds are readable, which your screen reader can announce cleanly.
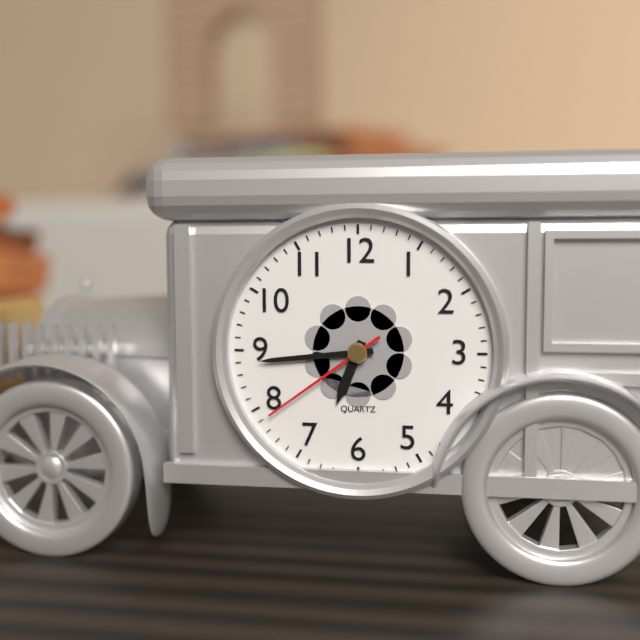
h=6 m=44 s=39
